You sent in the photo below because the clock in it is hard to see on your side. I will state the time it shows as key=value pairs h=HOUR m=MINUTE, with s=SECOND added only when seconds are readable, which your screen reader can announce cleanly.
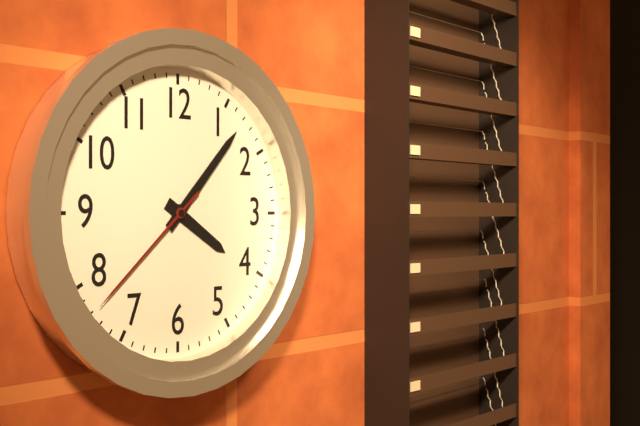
h=4 m=7 s=38
